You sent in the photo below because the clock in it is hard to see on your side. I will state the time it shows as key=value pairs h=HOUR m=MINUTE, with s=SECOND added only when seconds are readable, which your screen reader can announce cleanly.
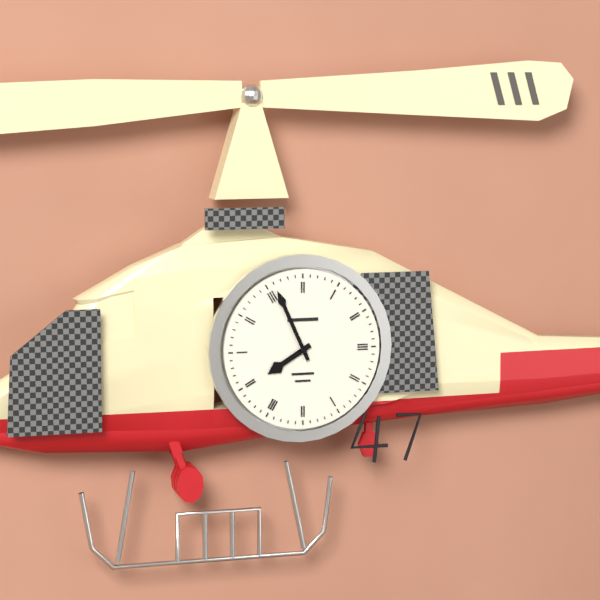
h=7 m=56
